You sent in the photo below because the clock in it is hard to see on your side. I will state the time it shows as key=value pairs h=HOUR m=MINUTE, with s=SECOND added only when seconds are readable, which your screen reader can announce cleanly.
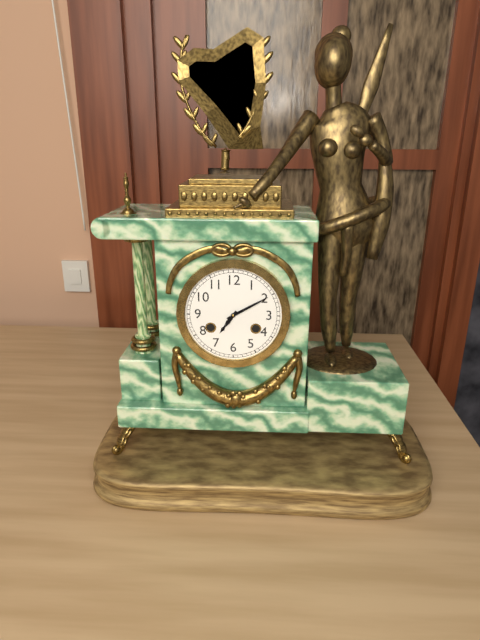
h=7 m=10
